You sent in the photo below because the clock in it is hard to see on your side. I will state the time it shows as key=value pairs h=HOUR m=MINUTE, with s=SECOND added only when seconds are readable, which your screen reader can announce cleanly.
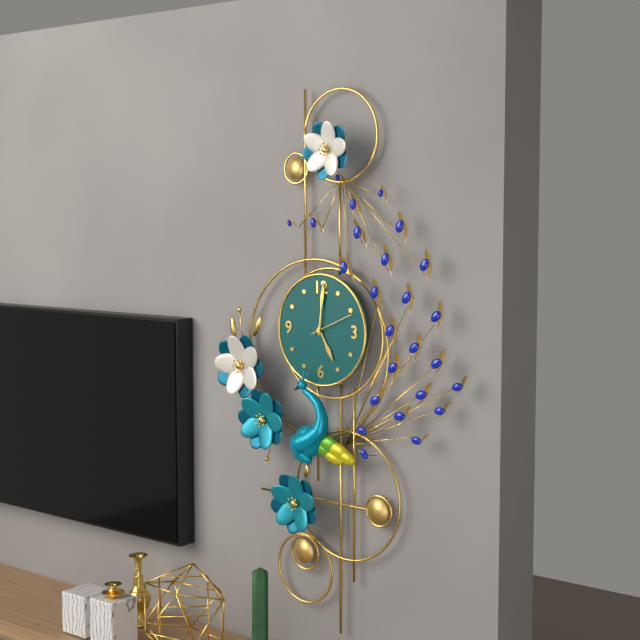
h=5 m=1
